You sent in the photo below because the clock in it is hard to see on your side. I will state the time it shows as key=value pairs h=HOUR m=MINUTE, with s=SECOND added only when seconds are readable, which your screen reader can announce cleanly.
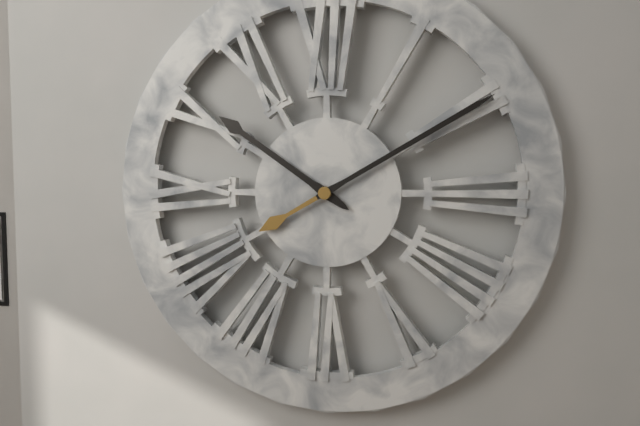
h=10 m=10
